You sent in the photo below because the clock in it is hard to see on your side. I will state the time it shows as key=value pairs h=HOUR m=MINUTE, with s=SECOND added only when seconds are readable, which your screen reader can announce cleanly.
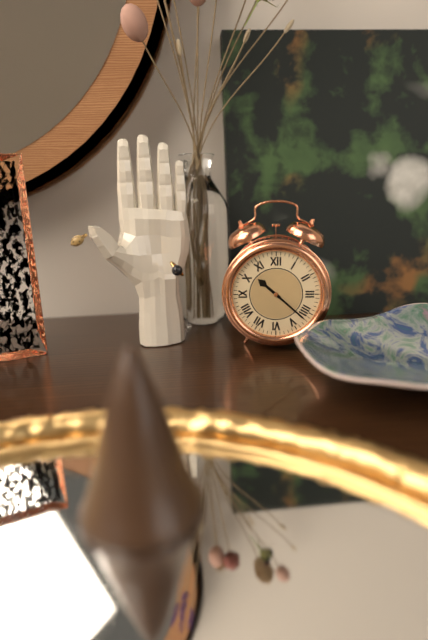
h=10 m=22
